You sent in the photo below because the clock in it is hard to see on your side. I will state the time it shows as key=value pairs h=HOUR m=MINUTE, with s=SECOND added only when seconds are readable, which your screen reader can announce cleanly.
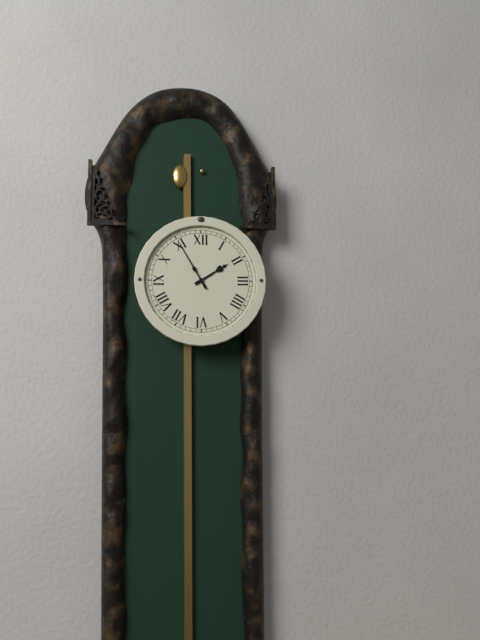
h=1 m=55
